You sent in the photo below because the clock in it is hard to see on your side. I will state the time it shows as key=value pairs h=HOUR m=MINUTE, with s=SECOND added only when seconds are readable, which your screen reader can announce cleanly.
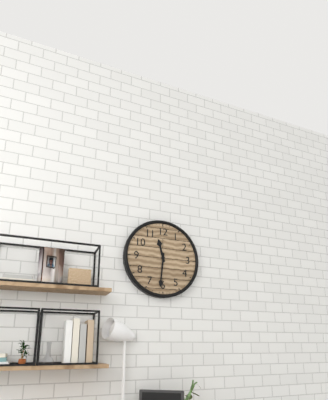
h=11 m=31
